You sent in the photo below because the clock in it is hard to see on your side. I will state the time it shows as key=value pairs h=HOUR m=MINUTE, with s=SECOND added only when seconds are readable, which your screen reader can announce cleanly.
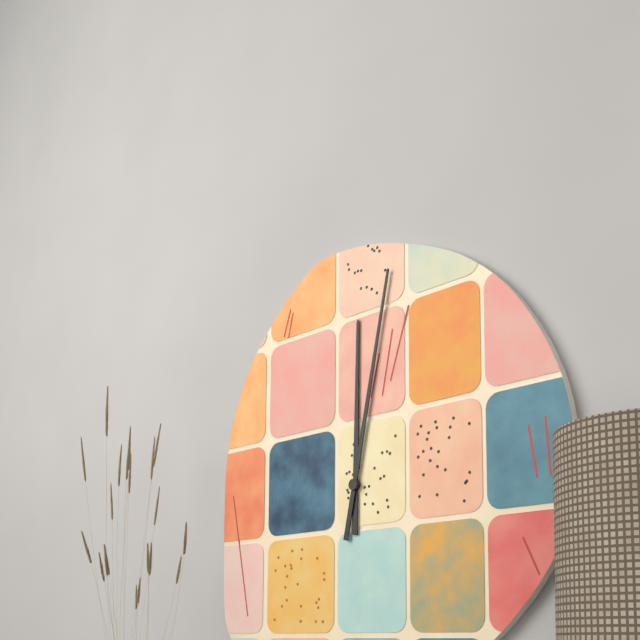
h=12 m=2
